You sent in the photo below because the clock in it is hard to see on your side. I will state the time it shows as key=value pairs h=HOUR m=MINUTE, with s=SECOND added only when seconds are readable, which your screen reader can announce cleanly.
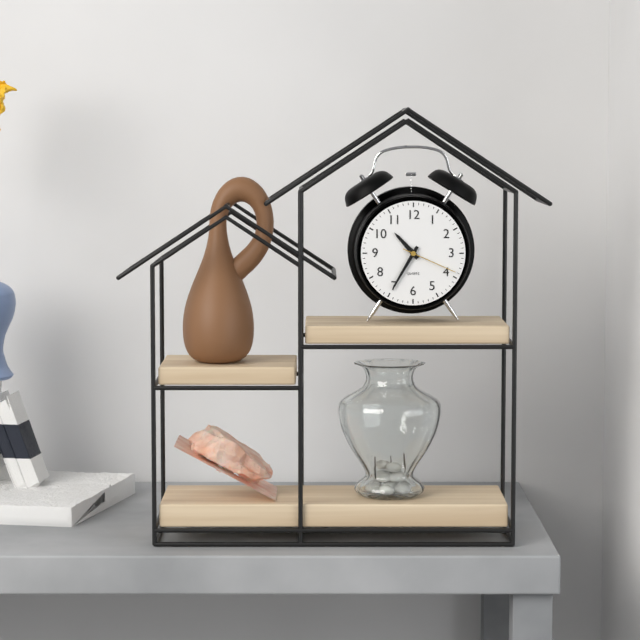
h=10 m=35 s=19
